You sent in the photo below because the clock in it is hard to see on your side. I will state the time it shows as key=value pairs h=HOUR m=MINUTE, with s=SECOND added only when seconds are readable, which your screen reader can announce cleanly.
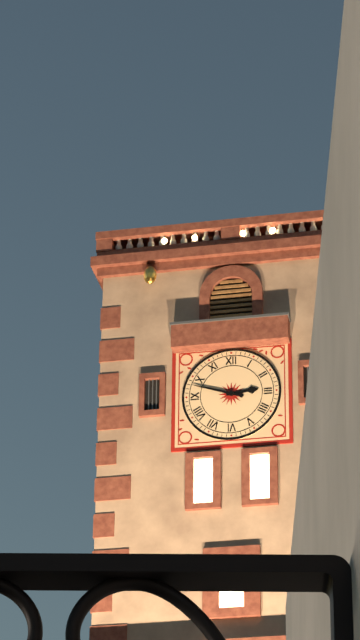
h=2 m=48
